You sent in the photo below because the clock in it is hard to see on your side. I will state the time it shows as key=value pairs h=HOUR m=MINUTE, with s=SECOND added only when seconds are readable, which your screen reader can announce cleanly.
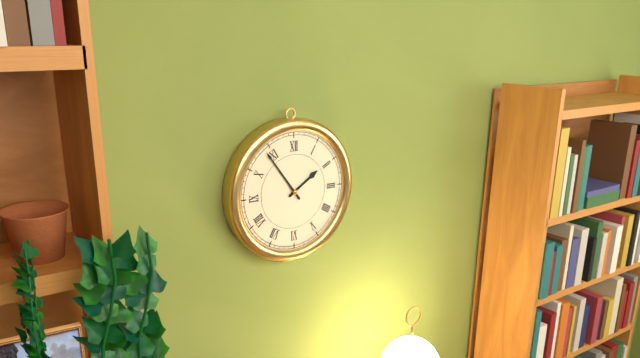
h=1 m=54
